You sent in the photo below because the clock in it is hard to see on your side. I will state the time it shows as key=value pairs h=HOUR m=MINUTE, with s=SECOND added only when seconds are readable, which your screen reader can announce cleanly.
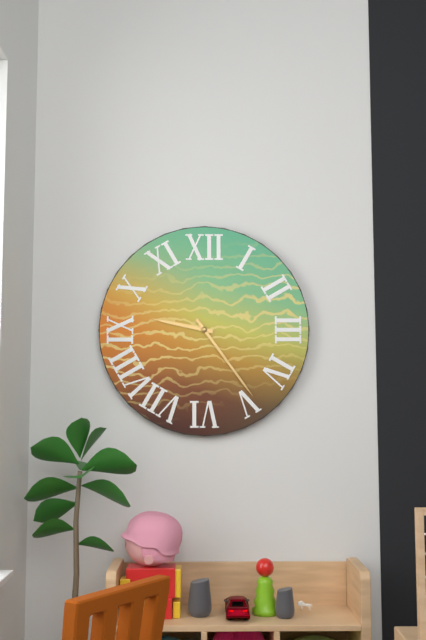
h=9 m=24
